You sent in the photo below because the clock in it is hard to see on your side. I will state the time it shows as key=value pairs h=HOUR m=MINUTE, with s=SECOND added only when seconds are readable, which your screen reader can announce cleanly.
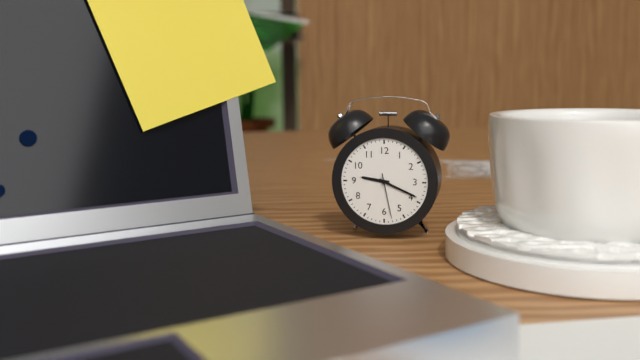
h=9 m=19
